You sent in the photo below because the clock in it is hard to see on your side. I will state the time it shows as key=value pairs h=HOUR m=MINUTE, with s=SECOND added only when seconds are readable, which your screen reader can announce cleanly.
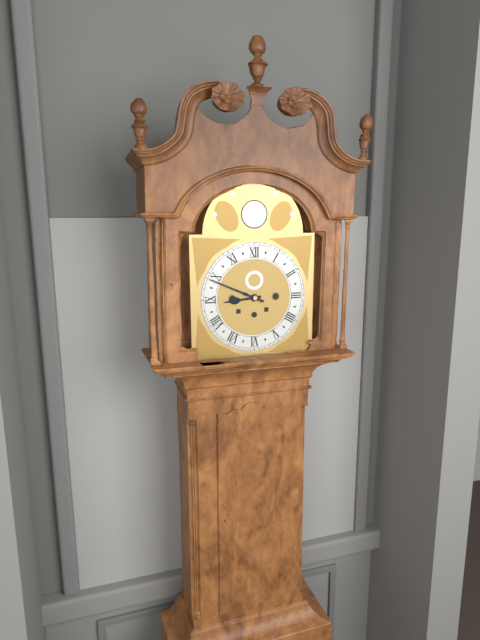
h=8 m=49
